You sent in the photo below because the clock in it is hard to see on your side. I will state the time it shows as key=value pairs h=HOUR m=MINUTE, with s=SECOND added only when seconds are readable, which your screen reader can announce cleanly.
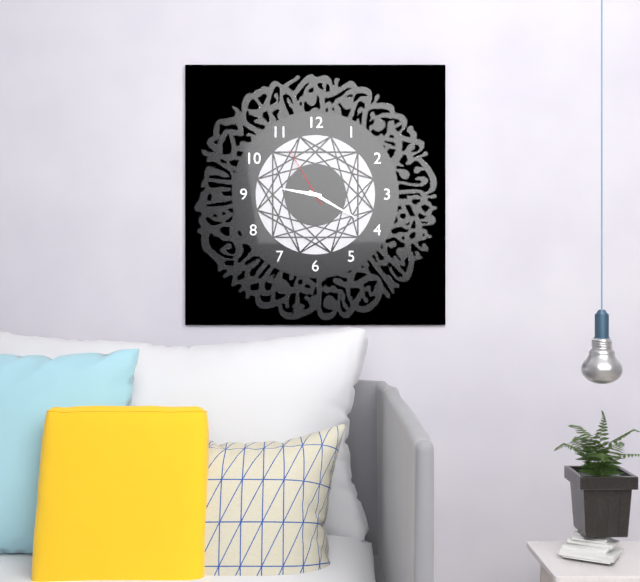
h=9 m=20 s=55
